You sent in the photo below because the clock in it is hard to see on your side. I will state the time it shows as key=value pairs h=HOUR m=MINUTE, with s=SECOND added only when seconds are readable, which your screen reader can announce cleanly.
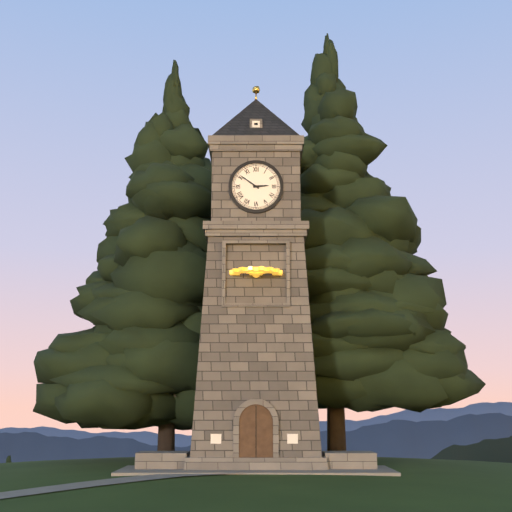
h=2 m=51
